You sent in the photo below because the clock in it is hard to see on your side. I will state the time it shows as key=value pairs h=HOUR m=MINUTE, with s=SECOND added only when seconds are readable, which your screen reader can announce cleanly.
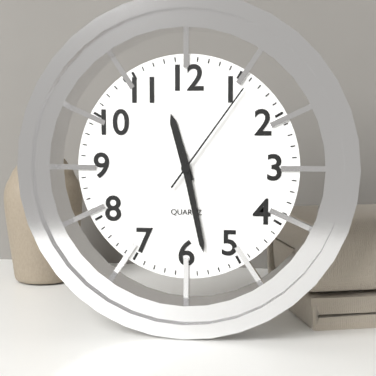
h=11 m=28 s=6
